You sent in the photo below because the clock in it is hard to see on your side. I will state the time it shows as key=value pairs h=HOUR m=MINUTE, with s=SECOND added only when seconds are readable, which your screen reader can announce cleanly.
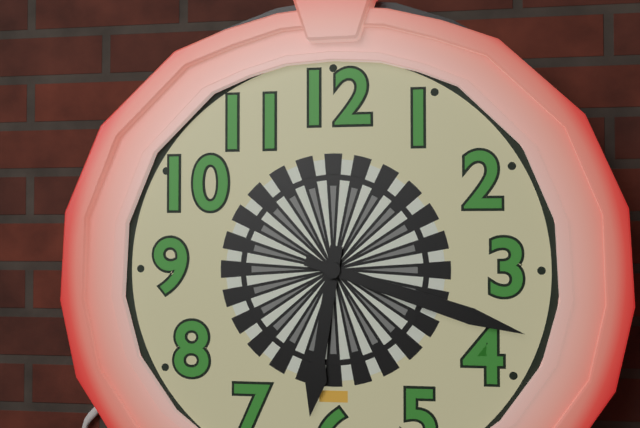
h=6 m=18
